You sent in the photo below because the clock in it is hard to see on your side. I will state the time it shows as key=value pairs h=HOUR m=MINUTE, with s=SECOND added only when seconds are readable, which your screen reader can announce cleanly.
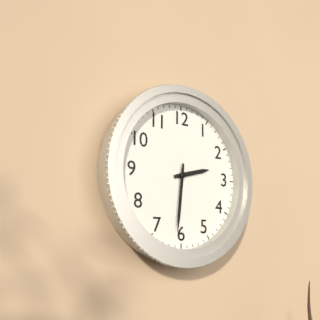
h=2 m=31
